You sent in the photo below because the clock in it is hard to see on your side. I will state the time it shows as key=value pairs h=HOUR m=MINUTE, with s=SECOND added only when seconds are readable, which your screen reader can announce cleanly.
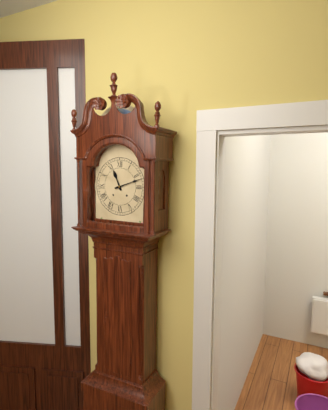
h=11 m=12
